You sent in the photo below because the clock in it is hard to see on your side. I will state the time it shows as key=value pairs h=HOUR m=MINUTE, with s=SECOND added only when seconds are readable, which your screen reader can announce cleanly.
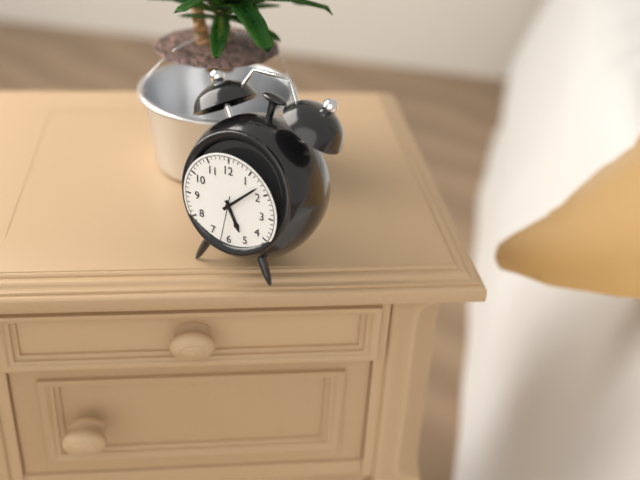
h=5 m=8
